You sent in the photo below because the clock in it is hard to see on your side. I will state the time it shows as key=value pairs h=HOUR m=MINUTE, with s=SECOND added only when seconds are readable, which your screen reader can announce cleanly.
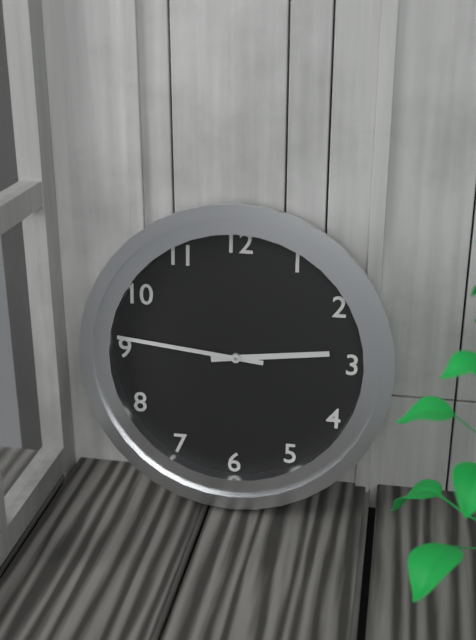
h=2 m=46
